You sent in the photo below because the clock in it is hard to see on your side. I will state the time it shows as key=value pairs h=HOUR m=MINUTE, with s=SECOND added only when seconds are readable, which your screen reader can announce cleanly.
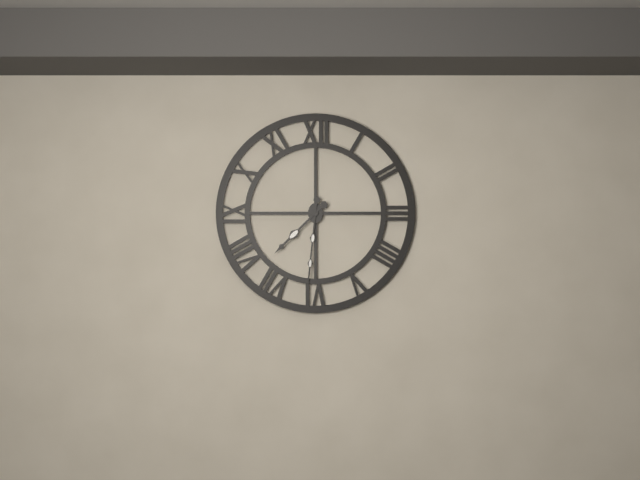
h=7 m=31
